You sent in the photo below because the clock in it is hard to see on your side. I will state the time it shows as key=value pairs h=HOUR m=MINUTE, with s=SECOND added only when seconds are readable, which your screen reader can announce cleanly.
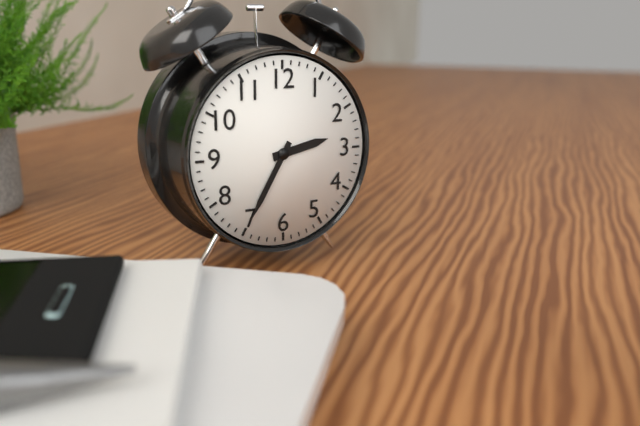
h=2 m=35
